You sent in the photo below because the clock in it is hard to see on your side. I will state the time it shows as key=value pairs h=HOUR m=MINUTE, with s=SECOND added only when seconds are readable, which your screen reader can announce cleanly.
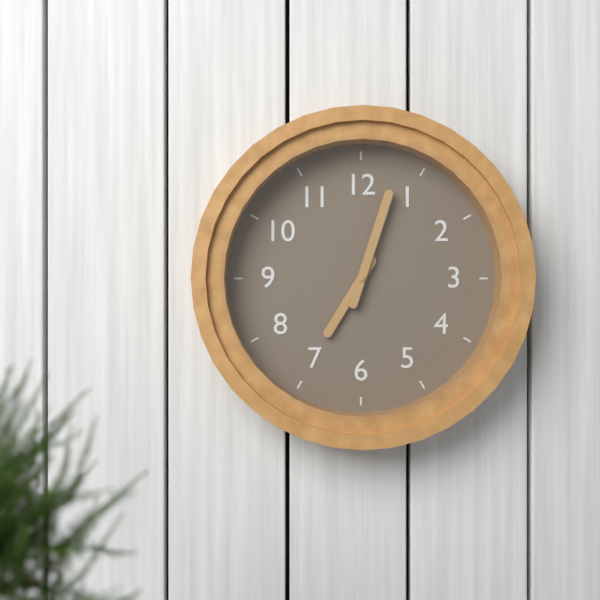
h=7 m=3
